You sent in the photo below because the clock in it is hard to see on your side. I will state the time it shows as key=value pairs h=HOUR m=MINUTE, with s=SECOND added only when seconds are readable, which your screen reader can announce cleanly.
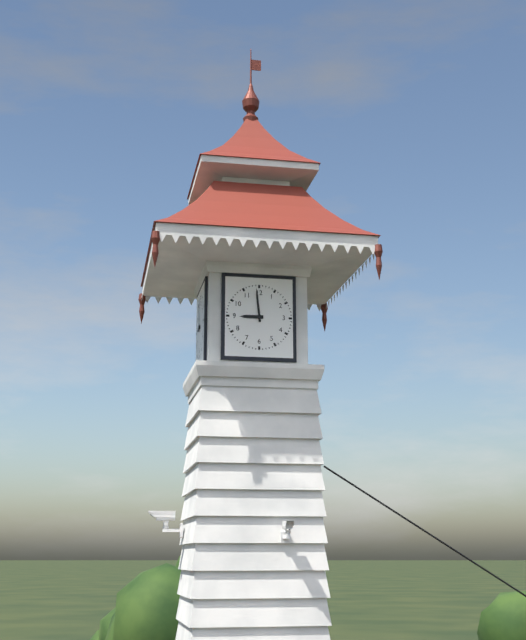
h=8 m=59
